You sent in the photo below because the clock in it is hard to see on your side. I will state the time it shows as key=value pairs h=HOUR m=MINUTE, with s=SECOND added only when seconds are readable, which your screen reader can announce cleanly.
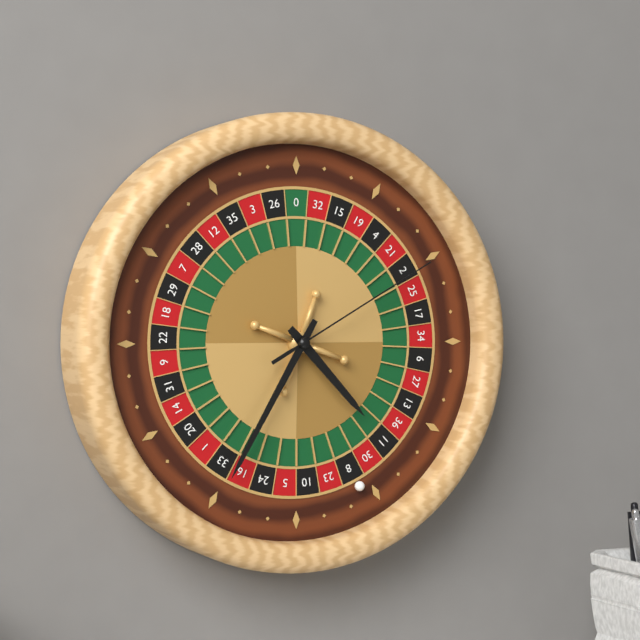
h=4 m=35 s=10
